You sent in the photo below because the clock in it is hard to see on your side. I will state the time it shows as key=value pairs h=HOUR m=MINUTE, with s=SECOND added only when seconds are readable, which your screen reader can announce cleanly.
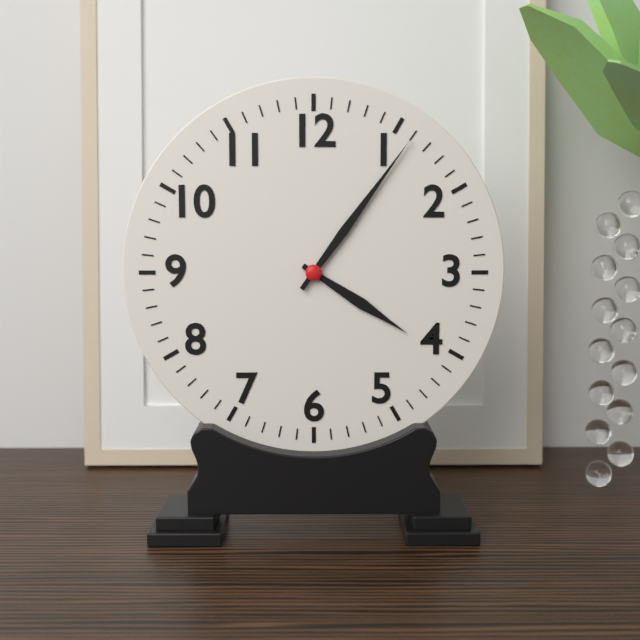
h=4 m=6
